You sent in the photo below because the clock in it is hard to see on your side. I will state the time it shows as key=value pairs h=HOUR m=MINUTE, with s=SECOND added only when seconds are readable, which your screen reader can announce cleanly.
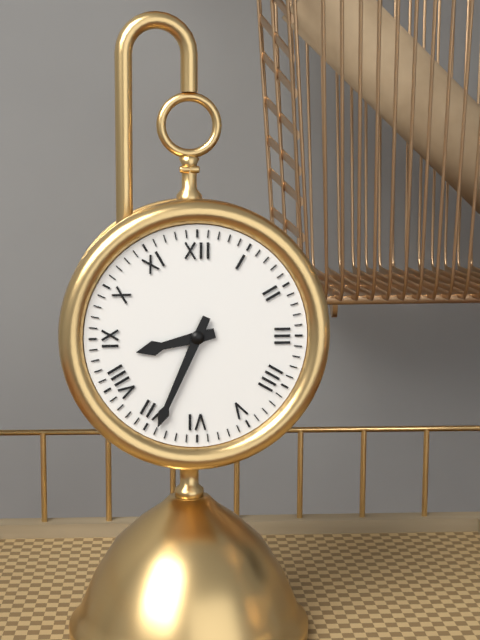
h=8 m=34
